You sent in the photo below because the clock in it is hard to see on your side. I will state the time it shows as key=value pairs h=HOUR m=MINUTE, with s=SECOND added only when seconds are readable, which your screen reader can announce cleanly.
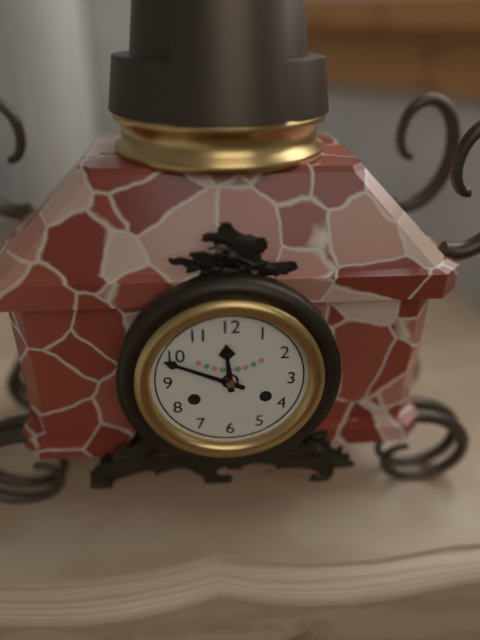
h=11 m=49
